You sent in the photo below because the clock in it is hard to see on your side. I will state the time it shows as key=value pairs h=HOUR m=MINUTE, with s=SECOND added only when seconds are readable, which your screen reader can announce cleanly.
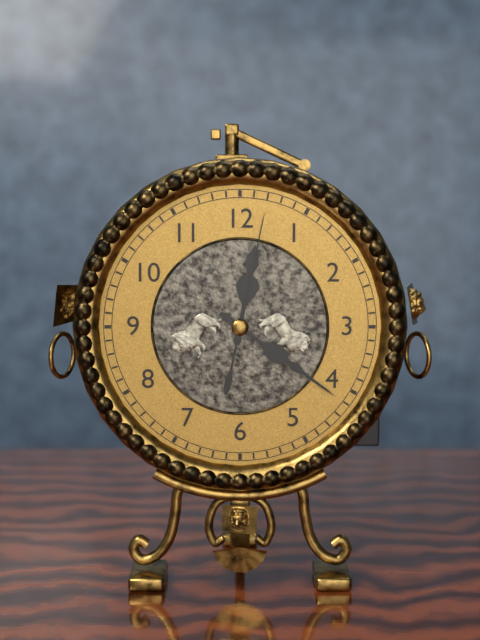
h=12 m=21 s=2
